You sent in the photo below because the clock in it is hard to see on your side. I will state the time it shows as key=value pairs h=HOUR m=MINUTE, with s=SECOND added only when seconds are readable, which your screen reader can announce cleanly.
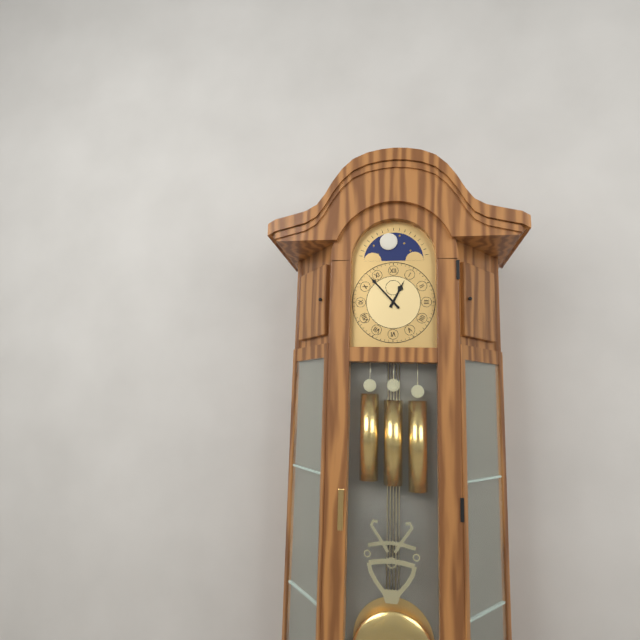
h=12 m=53
